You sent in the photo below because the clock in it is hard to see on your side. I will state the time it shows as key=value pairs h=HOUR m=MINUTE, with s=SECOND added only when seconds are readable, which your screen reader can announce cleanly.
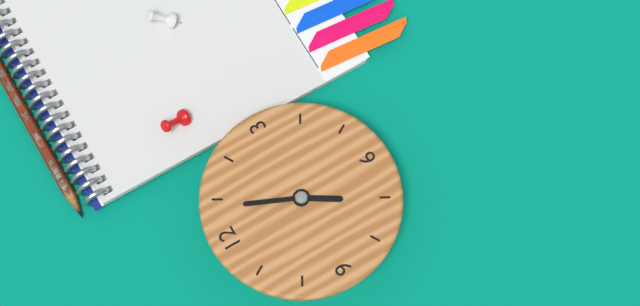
h=7 m=4
